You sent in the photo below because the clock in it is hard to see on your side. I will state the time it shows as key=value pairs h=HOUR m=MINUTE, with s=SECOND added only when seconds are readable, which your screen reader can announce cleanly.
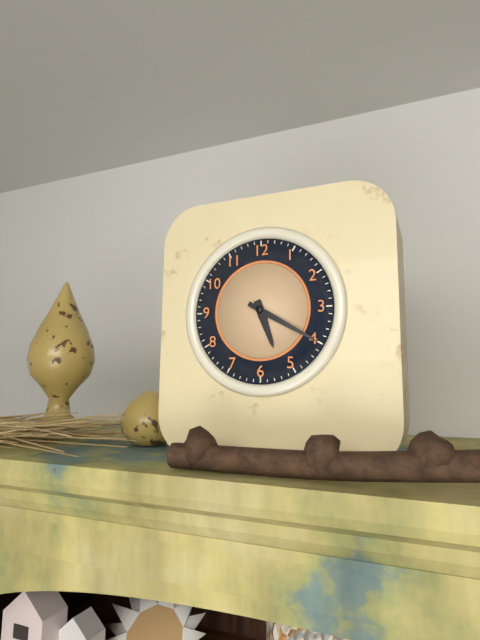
h=5 m=20
